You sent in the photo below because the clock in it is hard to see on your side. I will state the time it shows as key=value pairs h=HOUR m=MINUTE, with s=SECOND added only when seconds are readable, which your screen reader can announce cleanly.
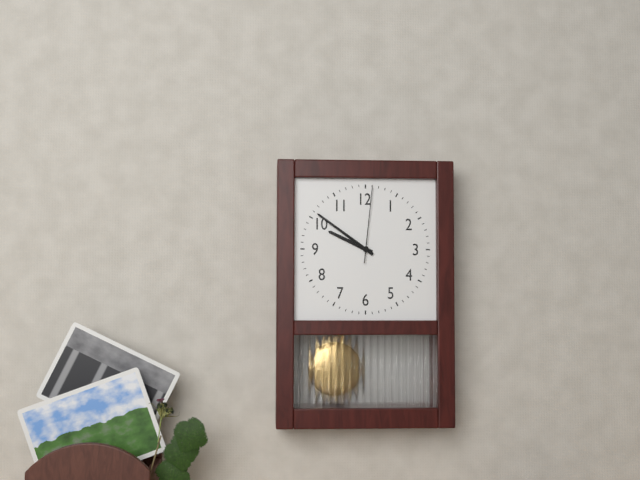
h=9 m=51 s=1
